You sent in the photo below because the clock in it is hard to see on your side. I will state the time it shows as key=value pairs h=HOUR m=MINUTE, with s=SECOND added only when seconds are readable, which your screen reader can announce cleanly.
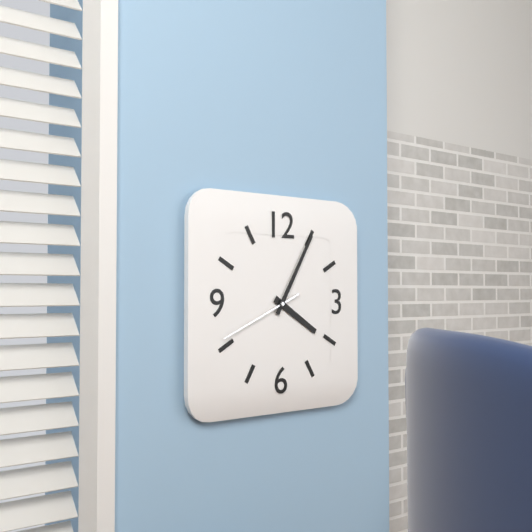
h=4 m=5 s=41
